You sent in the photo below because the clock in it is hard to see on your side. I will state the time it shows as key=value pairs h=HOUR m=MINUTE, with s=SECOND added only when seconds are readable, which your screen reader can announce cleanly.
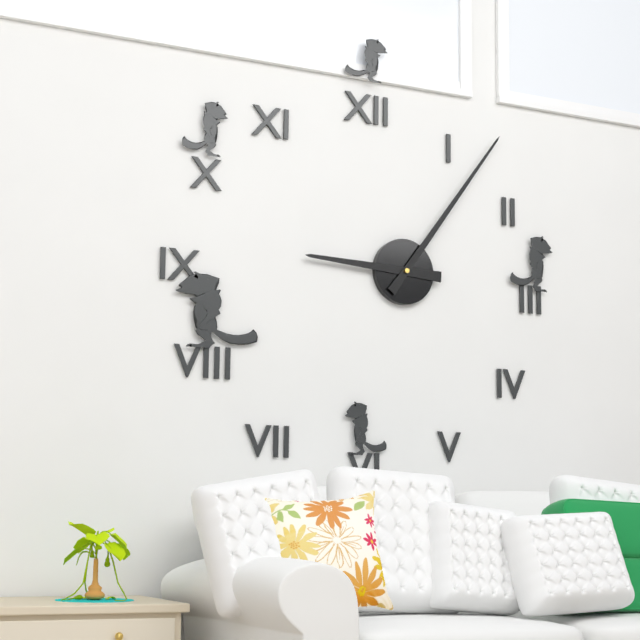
h=9 m=6
